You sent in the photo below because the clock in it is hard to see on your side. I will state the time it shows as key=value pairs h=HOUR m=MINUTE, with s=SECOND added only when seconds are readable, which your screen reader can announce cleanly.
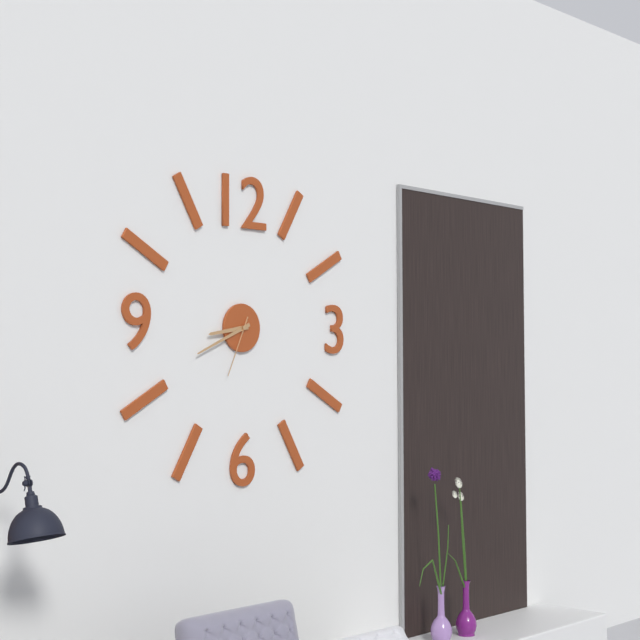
h=8 m=41 s=34
